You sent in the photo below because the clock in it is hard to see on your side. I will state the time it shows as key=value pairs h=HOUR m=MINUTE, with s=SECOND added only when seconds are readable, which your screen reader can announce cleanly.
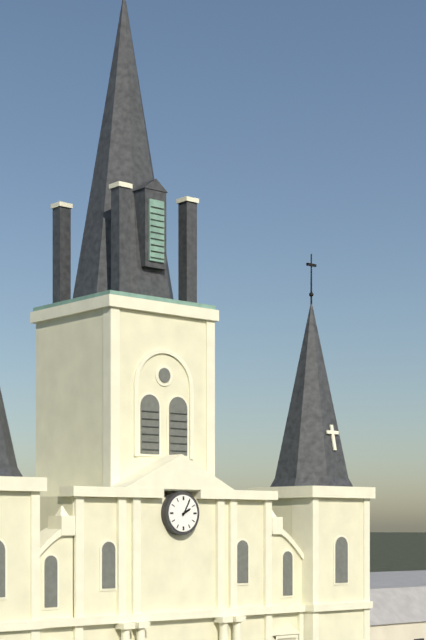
h=2 m=5
